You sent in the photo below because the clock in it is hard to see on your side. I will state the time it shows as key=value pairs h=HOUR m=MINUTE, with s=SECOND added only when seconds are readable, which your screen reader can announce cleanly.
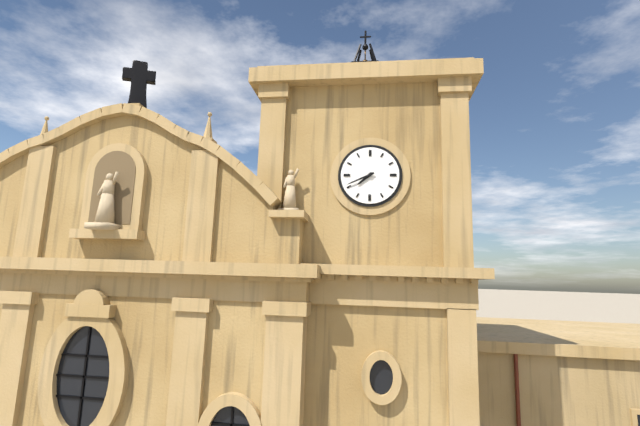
h=7 m=41
